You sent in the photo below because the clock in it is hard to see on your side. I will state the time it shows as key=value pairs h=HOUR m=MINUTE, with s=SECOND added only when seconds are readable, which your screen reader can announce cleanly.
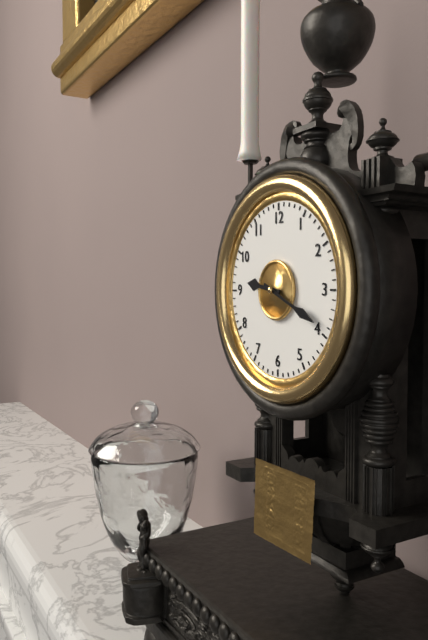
h=9 m=19
